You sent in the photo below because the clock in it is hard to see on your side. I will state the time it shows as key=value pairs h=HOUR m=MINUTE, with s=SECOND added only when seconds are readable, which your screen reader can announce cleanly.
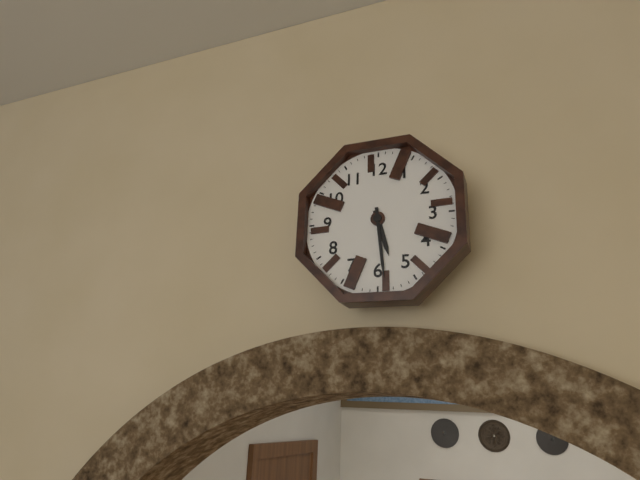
h=5 m=29
